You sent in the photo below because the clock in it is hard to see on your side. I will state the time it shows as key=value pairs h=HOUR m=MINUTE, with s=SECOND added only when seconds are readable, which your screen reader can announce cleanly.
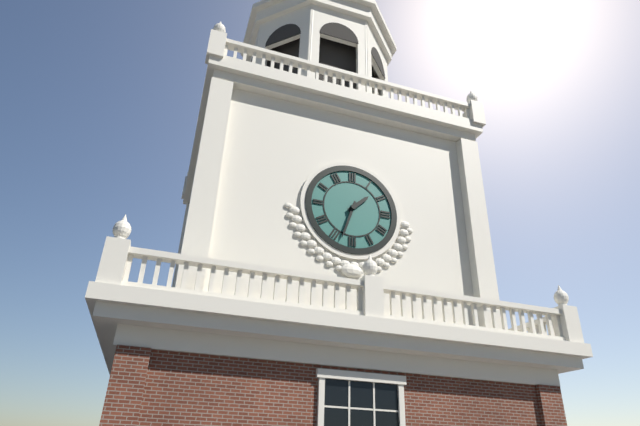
h=1 m=33
